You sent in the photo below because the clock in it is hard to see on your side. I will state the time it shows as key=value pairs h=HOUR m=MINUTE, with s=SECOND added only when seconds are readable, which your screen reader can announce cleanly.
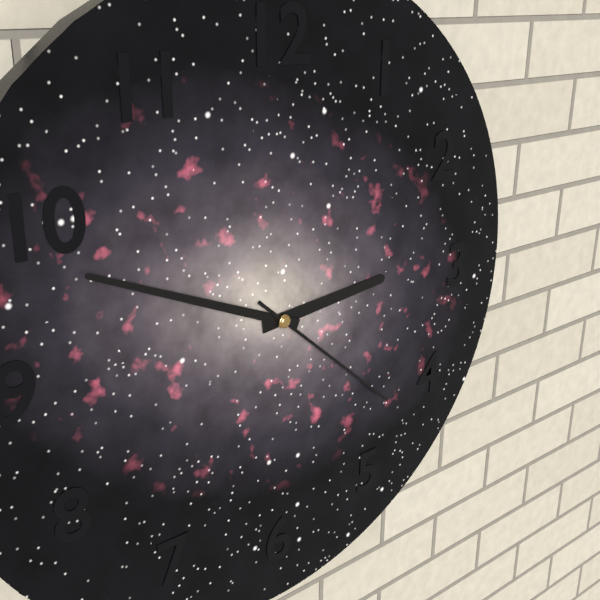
h=2 m=49 s=22
